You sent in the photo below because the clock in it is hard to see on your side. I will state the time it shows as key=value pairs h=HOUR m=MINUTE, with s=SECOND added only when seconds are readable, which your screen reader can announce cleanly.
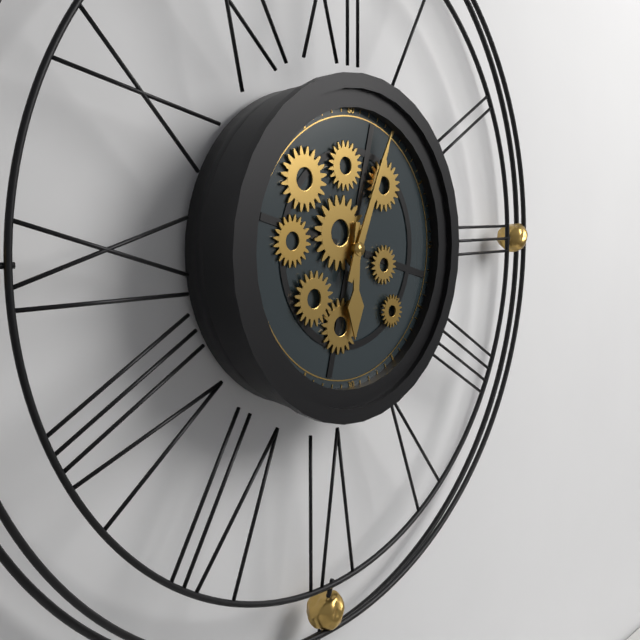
h=6 m=4
